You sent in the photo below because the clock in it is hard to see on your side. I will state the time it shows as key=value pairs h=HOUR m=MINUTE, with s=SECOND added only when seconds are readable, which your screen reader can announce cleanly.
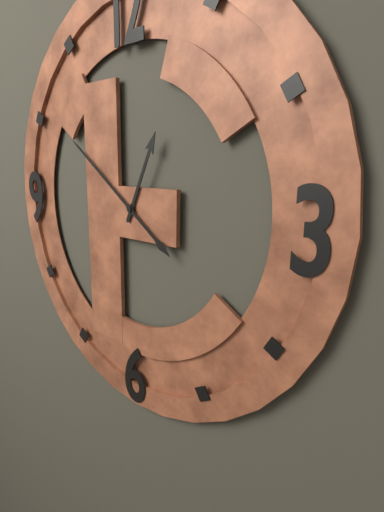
h=12 m=51
